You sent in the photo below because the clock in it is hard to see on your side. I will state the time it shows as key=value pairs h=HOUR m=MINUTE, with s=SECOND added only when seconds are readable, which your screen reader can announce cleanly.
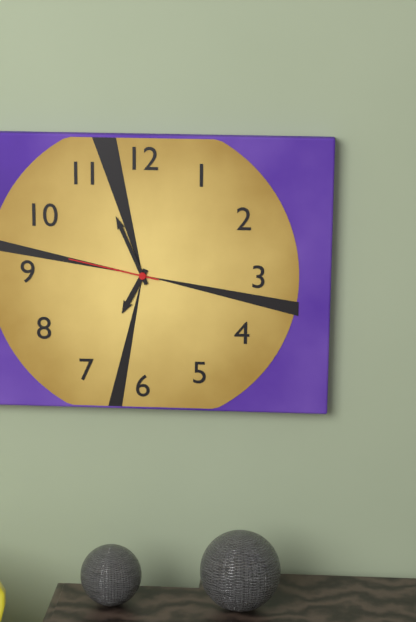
h=6 m=56 s=47
